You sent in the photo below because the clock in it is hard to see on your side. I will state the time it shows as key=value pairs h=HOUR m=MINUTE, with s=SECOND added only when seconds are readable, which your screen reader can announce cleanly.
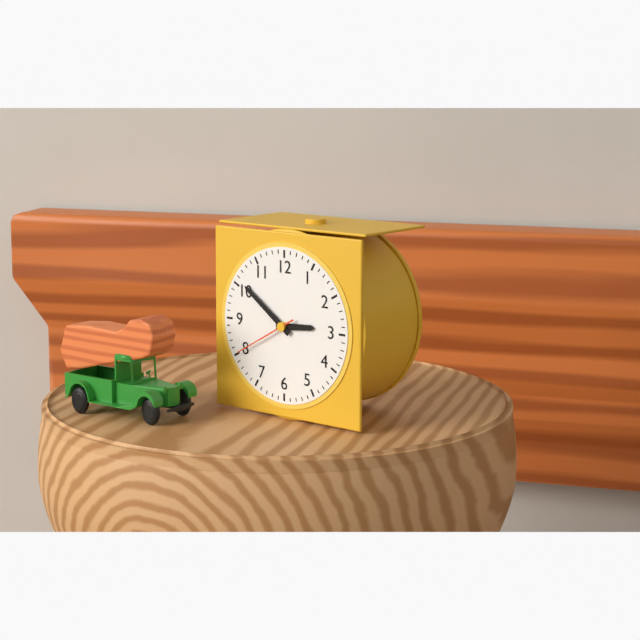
h=2 m=51 s=40
